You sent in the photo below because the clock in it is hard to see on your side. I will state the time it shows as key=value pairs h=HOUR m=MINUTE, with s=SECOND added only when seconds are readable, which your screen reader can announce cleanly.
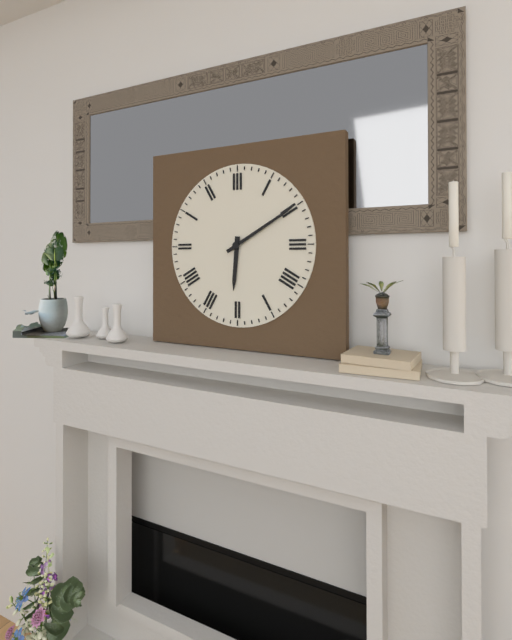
h=6 m=10
